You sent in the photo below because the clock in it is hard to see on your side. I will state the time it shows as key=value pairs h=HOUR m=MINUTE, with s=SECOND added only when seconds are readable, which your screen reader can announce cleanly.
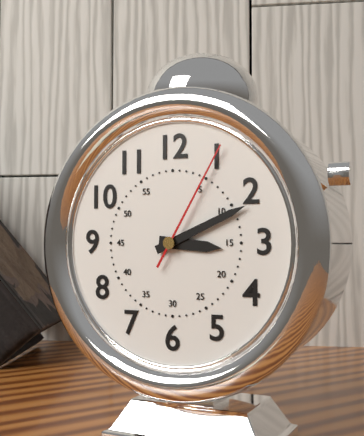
h=3 m=11 s=5
